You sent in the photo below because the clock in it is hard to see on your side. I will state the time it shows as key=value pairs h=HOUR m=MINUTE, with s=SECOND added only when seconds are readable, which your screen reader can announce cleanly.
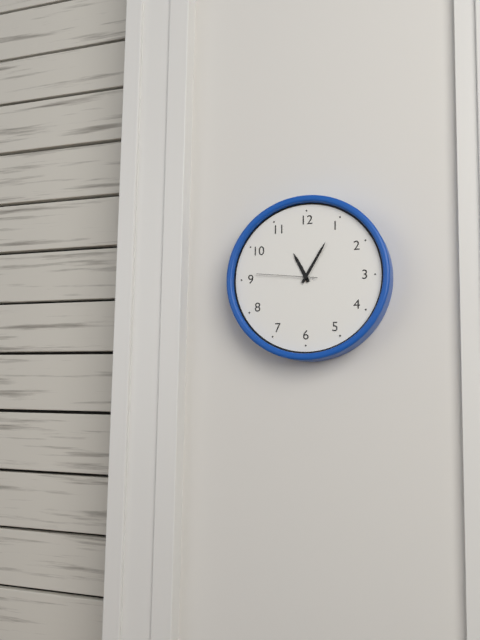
h=11 m=5 s=46
